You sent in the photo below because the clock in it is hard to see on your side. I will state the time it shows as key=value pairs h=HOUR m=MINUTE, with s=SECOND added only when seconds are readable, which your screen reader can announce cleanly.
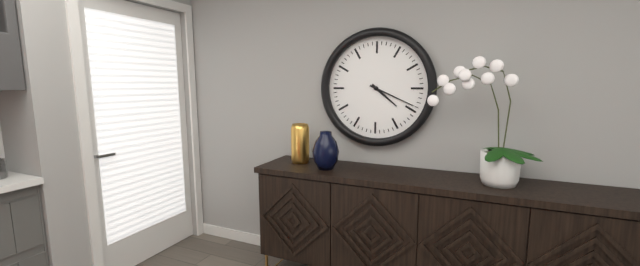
h=4 m=19
